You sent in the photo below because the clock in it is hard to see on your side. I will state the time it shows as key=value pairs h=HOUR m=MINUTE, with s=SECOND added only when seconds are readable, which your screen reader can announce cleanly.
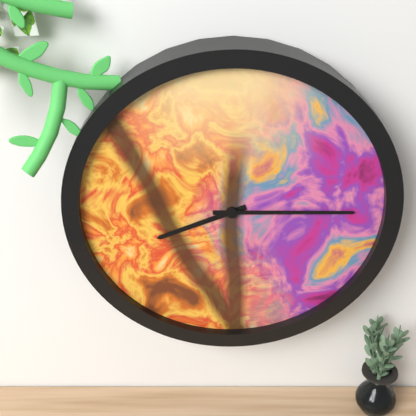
h=8 m=15
